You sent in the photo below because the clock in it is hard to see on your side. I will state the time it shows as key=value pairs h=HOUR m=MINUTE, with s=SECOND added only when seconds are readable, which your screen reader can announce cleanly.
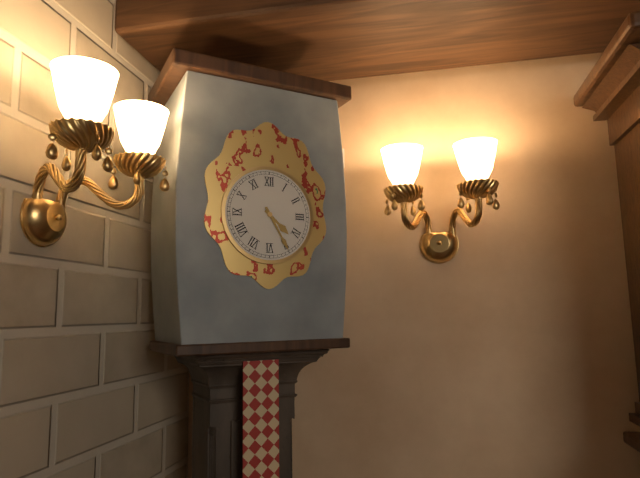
h=4 m=25
